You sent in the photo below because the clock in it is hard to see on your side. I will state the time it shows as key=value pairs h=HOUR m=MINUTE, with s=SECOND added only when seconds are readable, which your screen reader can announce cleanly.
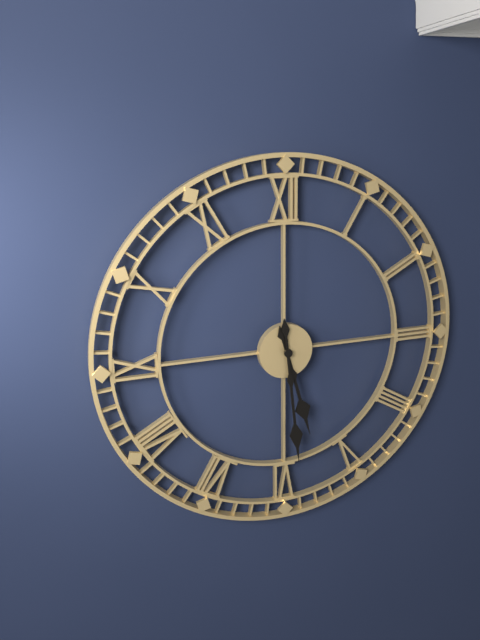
h=5 m=29
